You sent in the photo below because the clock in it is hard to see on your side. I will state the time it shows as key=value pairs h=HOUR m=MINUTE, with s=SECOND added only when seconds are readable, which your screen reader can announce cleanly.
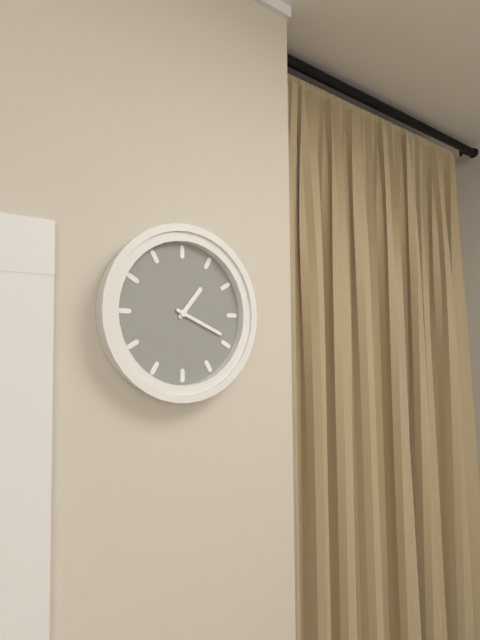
h=1 m=19
